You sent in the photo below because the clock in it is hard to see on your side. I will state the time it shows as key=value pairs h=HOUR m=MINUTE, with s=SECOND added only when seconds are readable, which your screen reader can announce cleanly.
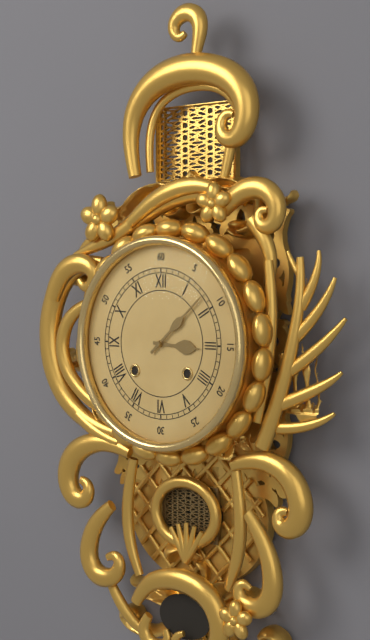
h=3 m=8
